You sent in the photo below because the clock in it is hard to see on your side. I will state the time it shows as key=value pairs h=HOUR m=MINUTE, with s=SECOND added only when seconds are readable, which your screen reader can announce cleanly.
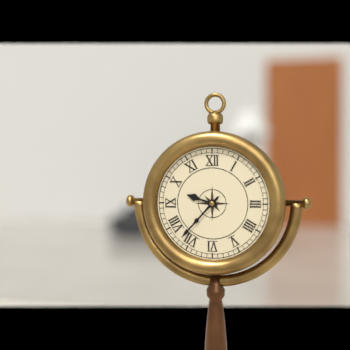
h=9 m=37
